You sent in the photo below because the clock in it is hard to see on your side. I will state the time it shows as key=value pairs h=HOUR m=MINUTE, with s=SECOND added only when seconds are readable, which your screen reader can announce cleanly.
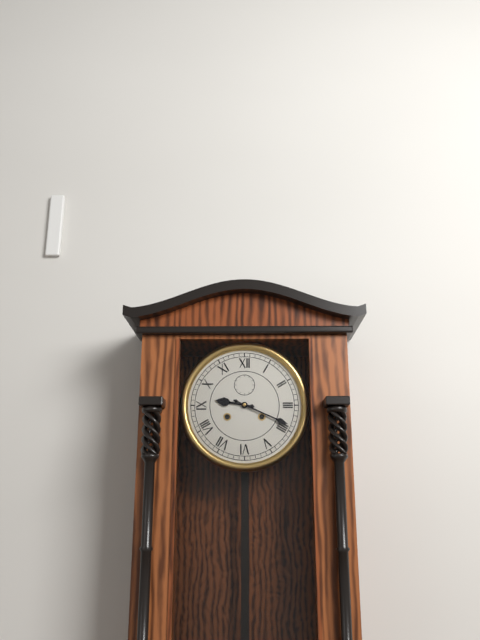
h=9 m=19
